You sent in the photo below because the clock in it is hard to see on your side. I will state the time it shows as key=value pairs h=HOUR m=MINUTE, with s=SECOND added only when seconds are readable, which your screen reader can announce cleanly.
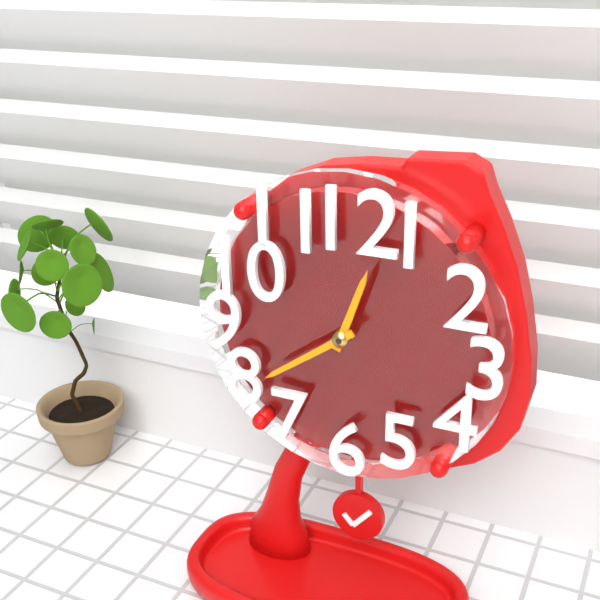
h=12 m=39
